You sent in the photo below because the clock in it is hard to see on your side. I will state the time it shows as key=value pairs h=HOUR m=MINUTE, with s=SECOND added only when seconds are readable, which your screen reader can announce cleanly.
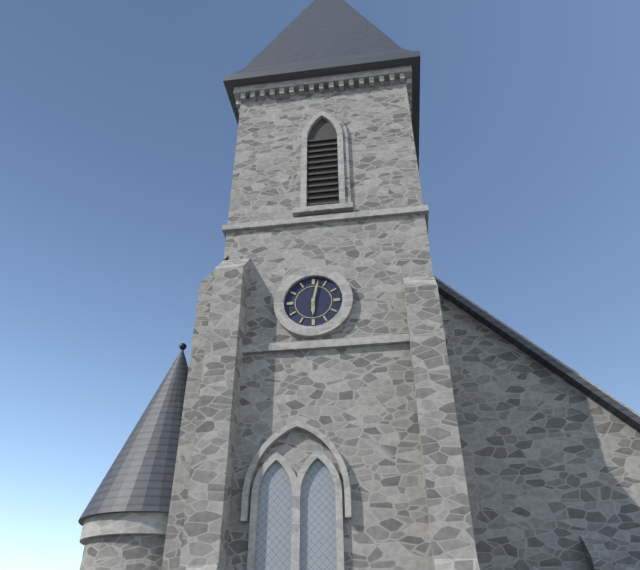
h=6 m=2
